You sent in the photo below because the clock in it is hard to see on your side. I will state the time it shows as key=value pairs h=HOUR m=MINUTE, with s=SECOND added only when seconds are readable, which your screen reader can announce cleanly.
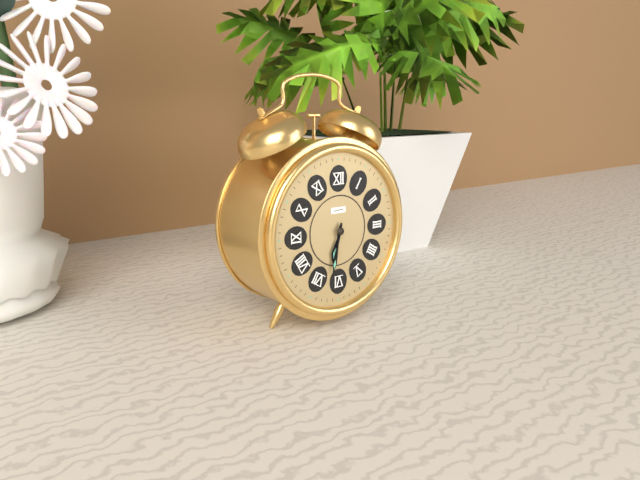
h=6 m=32
